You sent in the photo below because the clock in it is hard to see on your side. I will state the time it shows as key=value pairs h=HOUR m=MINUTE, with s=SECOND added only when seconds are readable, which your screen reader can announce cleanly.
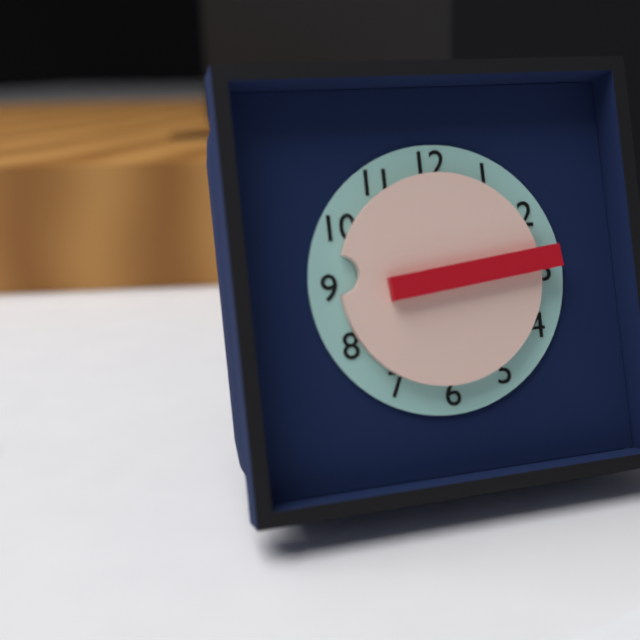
h=9 m=14
